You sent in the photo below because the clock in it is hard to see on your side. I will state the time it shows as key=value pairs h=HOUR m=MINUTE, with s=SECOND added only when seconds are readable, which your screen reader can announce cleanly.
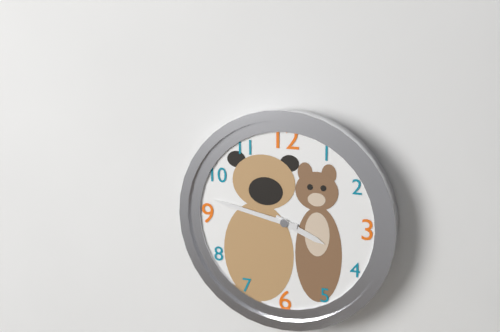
h=3 m=47
